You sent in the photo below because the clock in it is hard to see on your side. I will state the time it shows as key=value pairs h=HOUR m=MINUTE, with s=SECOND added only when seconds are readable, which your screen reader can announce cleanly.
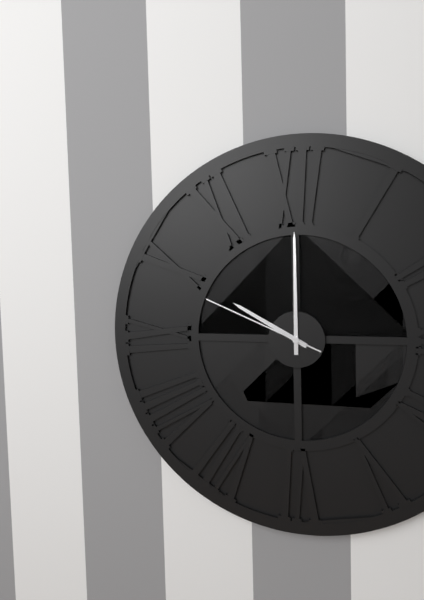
h=10 m=0 s=49
